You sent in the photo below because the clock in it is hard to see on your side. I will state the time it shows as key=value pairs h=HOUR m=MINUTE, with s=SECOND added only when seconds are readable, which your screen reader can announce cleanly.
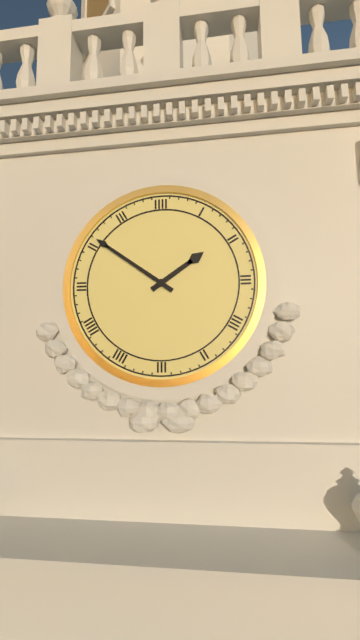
h=1 m=51
